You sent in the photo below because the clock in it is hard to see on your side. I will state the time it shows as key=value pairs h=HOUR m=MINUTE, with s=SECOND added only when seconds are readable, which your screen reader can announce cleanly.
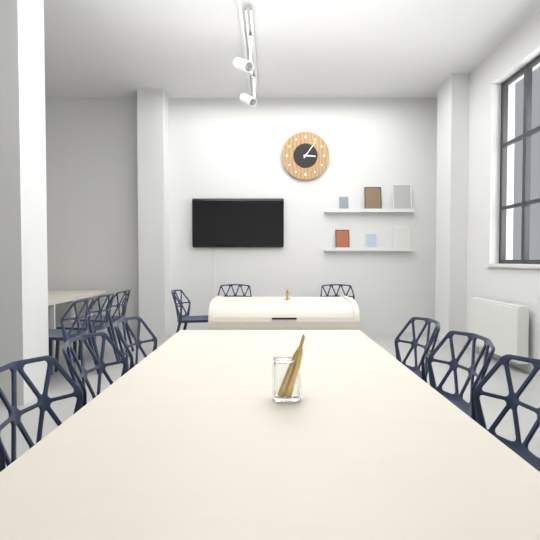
h=3 m=6
